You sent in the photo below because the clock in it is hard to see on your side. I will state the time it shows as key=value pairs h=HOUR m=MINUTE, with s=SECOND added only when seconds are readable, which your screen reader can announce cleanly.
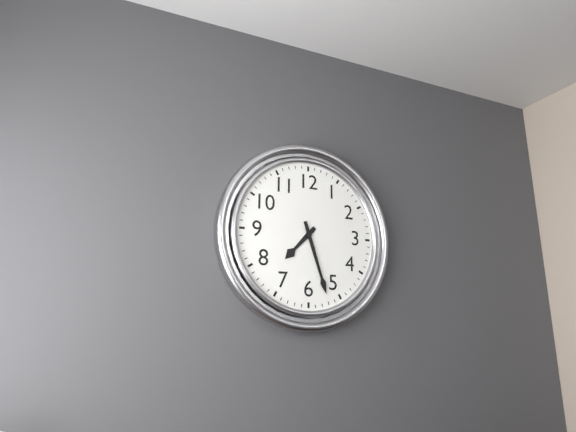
h=7 m=27
